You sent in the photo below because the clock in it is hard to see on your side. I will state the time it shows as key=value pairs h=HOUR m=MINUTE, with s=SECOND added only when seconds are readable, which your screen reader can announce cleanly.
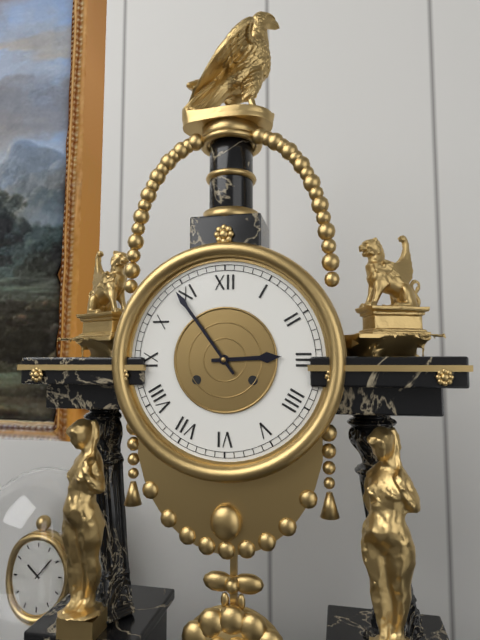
h=2 m=54
